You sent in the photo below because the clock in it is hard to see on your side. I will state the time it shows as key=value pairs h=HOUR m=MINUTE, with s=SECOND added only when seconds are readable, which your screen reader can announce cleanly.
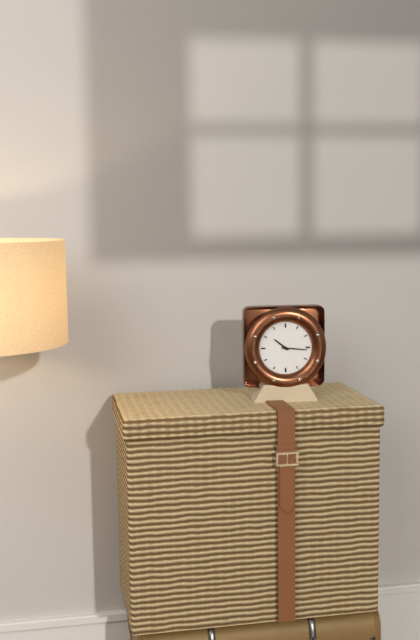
h=10 m=16
